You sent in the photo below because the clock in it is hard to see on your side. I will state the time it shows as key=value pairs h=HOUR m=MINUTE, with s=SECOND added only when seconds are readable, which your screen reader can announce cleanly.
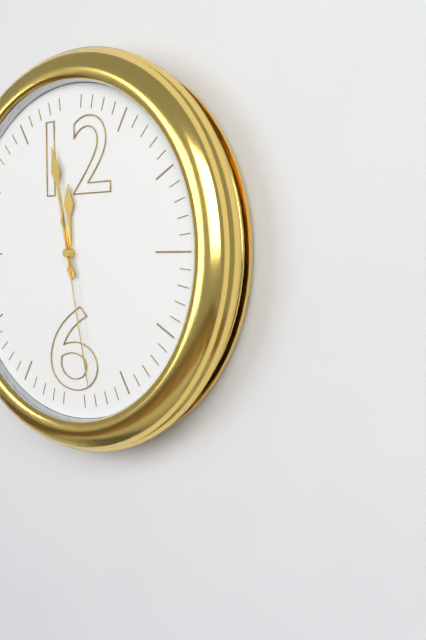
h=11 m=58 s=28
